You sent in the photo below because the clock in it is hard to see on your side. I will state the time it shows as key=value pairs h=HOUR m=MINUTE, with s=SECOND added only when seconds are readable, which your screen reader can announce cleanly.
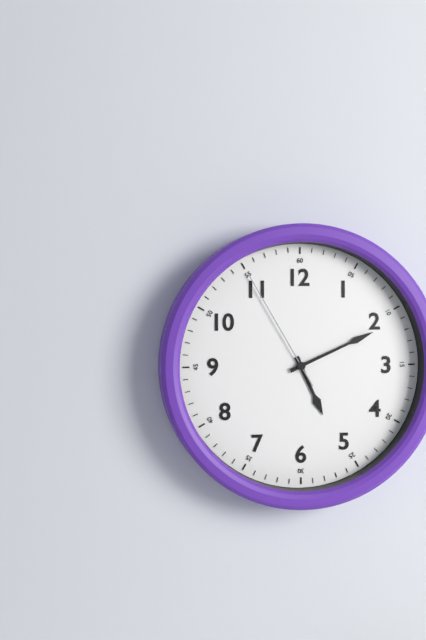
h=5 m=11 s=55
